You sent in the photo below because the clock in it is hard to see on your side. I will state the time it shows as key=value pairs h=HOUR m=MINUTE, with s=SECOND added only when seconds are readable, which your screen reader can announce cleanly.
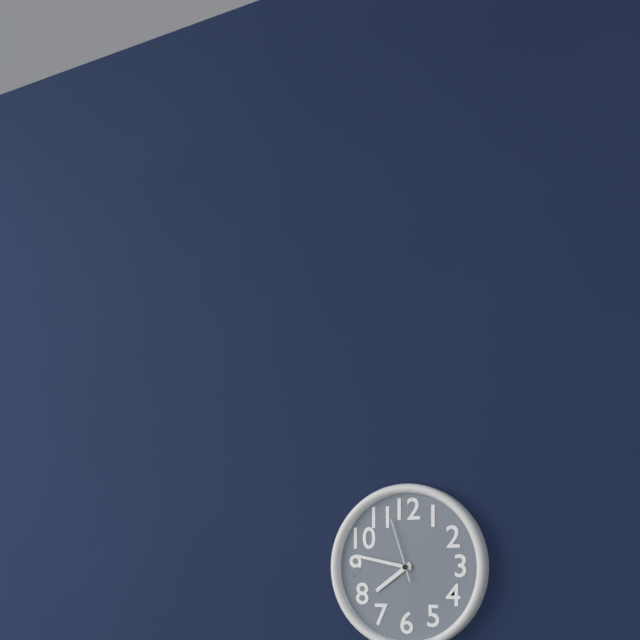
h=7 m=47 s=57
